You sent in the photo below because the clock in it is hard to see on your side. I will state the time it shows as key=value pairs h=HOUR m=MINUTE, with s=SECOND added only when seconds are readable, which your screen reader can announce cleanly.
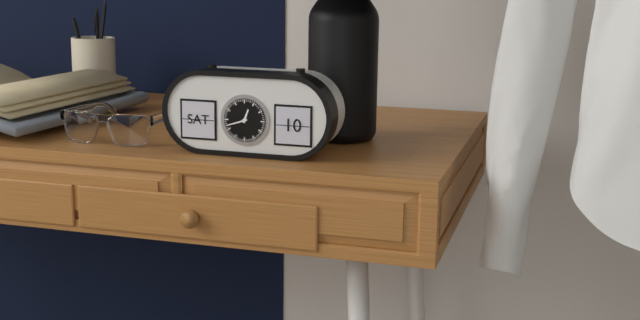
h=12 m=42
